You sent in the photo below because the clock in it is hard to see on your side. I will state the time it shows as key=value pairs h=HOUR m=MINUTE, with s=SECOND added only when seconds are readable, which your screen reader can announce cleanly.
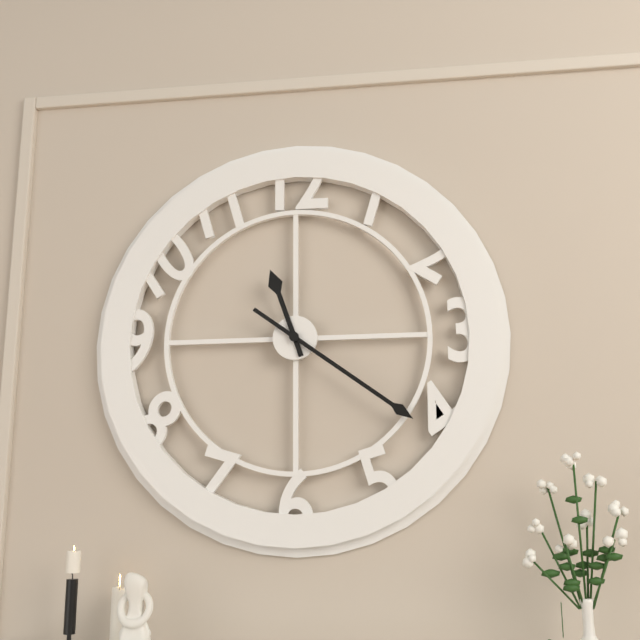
h=11 m=21
